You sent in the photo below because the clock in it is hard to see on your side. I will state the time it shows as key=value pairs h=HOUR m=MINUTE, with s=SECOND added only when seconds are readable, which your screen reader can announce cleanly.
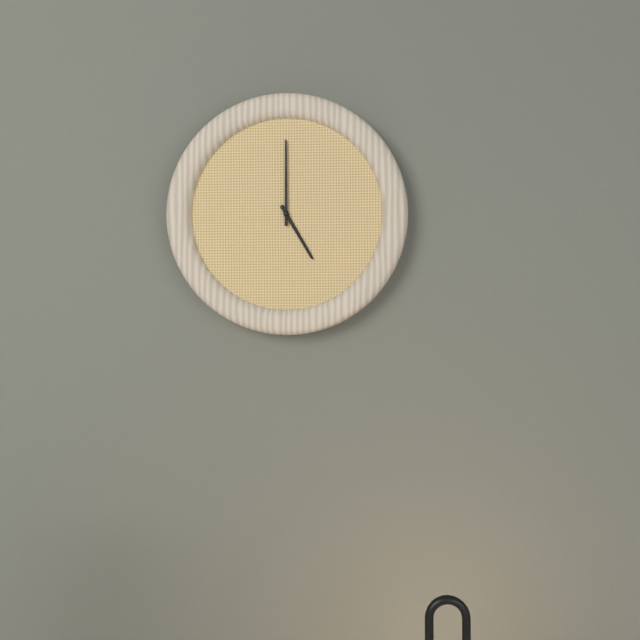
h=5 m=0
